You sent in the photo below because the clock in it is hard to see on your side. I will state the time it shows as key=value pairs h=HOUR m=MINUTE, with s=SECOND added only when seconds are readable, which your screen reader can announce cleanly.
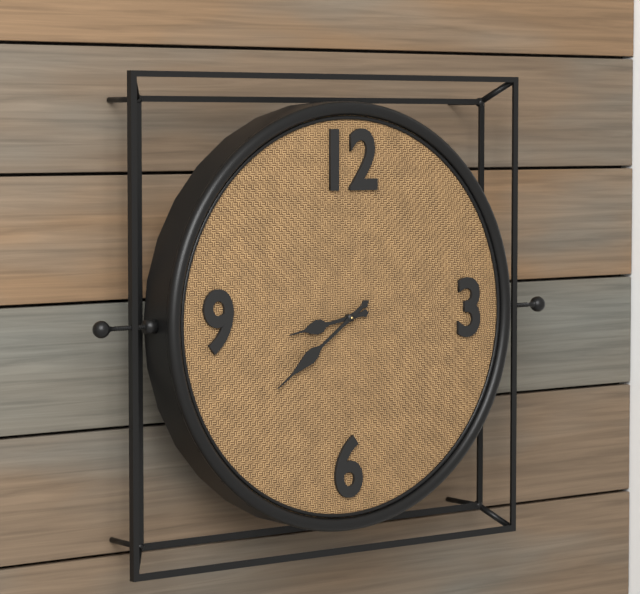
h=8 m=39
